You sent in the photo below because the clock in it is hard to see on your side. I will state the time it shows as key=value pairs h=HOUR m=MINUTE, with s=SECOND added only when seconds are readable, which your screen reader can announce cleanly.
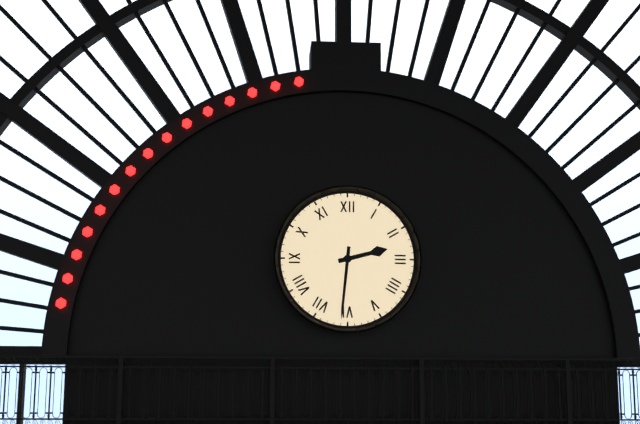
h=2 m=31
